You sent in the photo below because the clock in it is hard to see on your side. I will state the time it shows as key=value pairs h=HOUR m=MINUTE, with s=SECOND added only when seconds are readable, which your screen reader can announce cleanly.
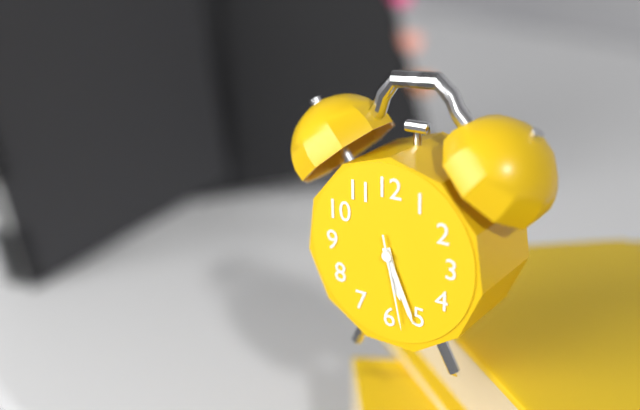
h=5 m=26 s=28
